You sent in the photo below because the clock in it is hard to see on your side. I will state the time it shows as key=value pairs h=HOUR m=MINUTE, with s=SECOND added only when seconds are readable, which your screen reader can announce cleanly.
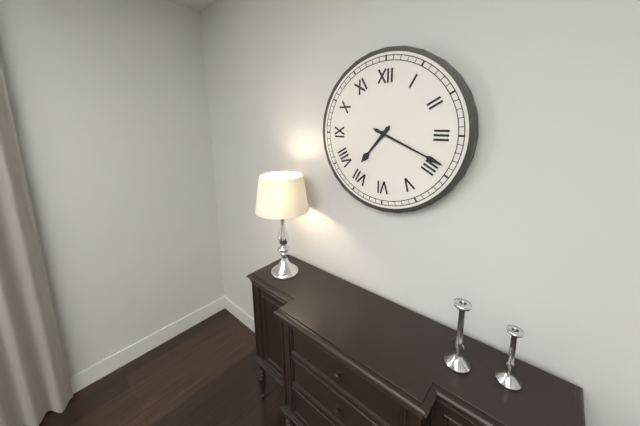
h=7 m=19
